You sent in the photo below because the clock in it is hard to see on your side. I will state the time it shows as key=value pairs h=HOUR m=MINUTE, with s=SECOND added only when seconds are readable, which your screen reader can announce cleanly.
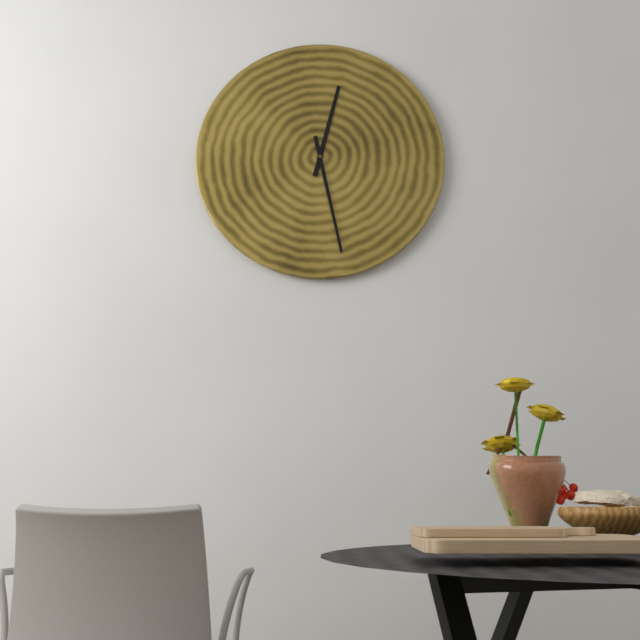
h=12 m=28
